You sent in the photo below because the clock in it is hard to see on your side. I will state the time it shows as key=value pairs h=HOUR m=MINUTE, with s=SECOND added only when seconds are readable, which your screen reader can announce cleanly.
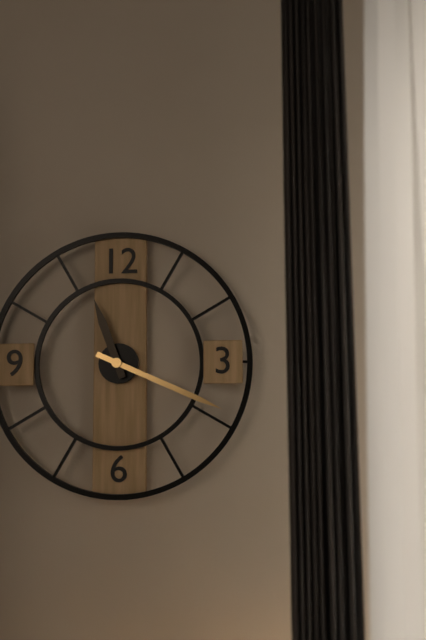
h=11 m=19
